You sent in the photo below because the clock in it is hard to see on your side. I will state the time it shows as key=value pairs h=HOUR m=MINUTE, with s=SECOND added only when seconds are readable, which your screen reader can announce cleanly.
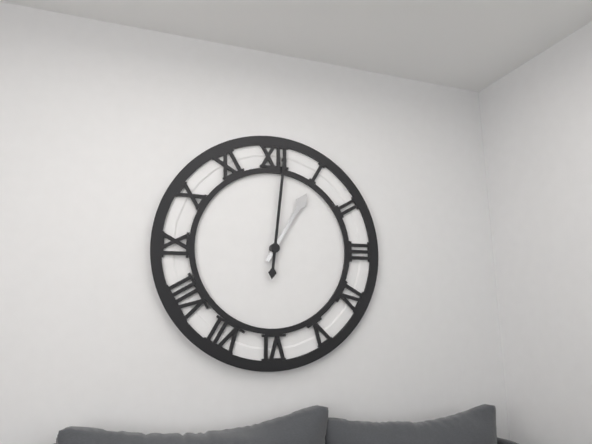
h=1 m=1
